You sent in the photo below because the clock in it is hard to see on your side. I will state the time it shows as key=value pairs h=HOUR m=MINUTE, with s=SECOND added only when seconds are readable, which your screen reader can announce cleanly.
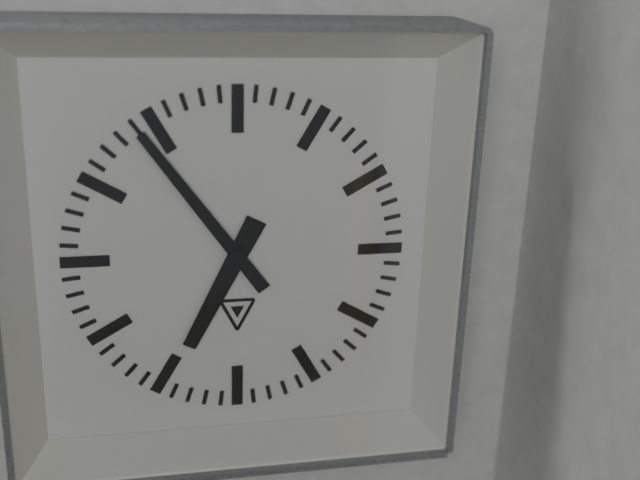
h=6 m=54
